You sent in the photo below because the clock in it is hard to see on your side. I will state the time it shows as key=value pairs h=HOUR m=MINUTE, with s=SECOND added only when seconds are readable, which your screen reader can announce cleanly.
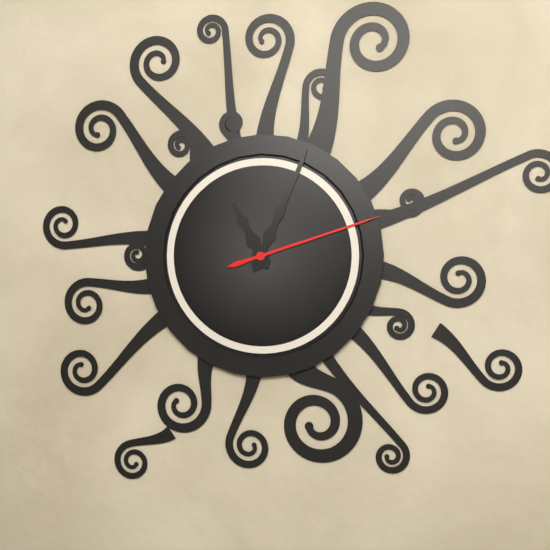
h=11 m=4 s=12
